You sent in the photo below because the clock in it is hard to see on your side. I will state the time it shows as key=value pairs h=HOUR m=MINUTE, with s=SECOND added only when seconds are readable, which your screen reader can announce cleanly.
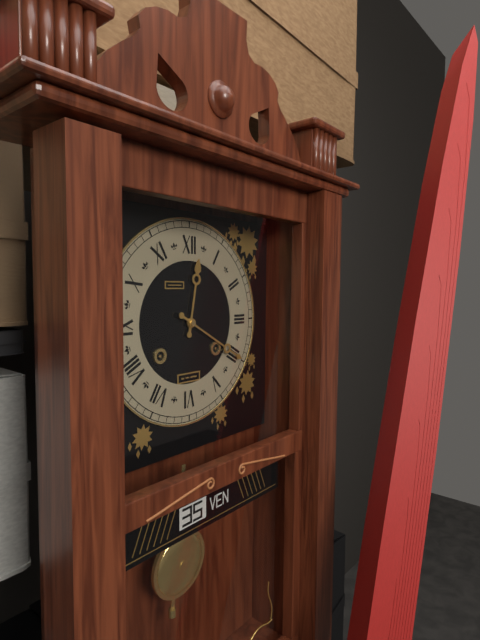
h=12 m=20
